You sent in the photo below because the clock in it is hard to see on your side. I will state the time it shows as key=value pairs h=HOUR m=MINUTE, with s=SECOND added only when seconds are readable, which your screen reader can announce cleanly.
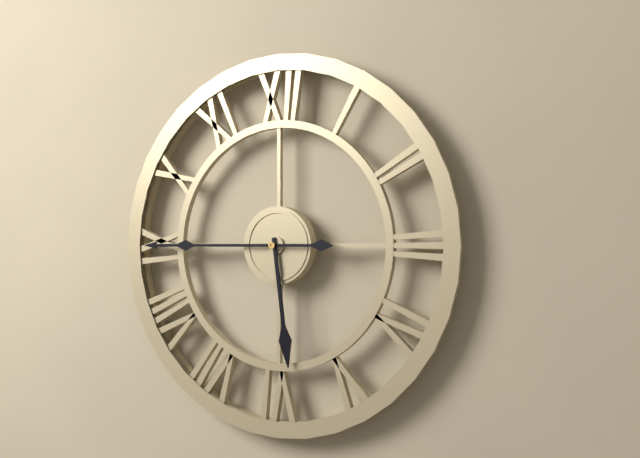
h=5 m=45
